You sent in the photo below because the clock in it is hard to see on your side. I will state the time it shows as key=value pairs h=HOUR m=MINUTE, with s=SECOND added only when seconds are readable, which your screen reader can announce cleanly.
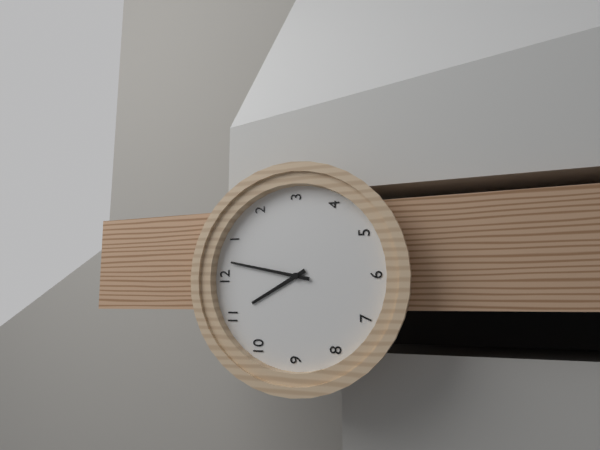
h=11 m=2
